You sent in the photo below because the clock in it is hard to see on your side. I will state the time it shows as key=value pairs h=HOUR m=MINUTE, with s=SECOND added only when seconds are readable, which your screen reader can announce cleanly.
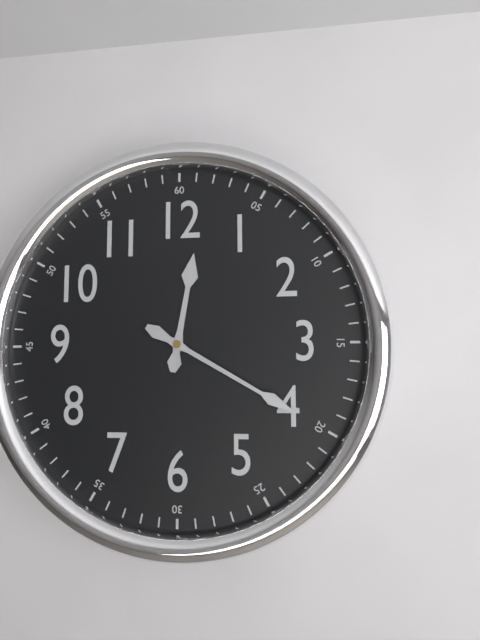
h=12 m=20
